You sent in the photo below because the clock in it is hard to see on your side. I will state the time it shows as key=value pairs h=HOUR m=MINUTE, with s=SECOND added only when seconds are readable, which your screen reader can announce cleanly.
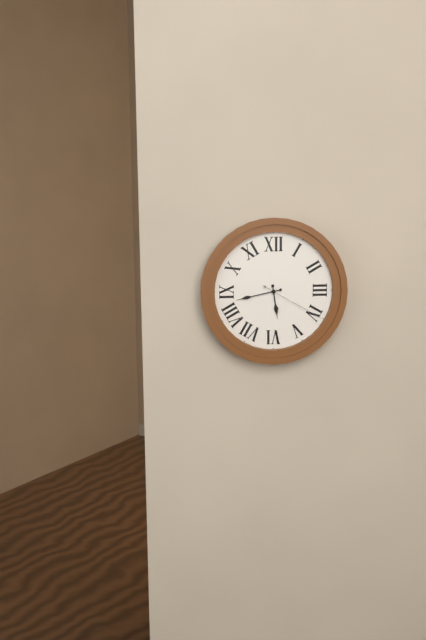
h=5 m=43 s=20
